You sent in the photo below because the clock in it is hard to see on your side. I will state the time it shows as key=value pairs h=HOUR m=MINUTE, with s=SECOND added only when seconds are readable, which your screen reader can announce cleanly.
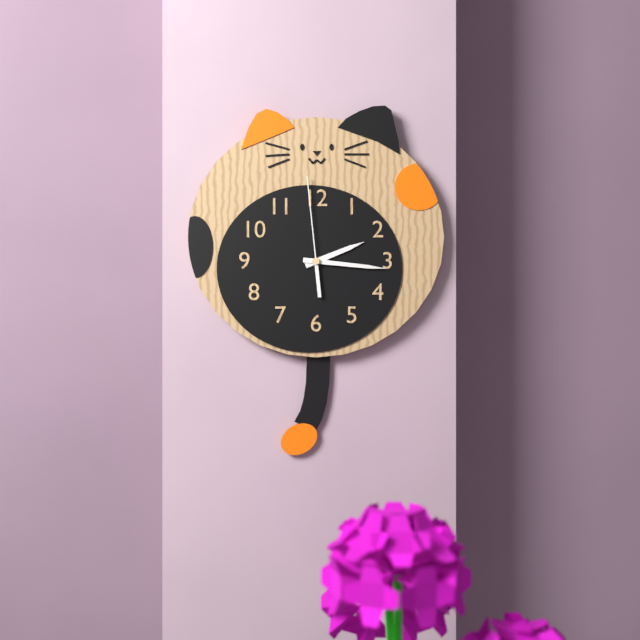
h=2 m=16 s=59
